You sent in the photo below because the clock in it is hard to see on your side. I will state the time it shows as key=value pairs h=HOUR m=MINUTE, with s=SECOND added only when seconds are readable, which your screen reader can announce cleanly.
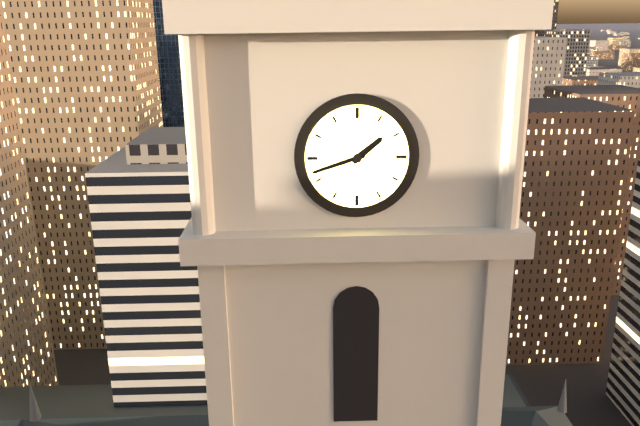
h=1 m=42
